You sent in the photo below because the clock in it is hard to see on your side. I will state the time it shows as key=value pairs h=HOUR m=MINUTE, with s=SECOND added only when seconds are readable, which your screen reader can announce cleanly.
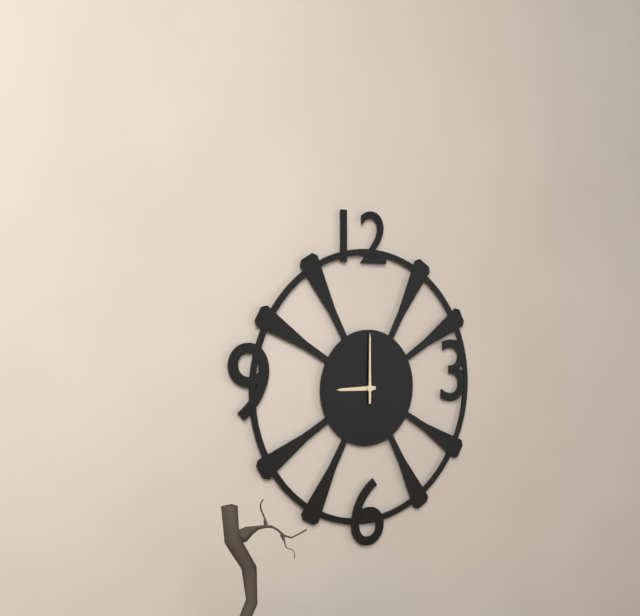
h=9 m=0
